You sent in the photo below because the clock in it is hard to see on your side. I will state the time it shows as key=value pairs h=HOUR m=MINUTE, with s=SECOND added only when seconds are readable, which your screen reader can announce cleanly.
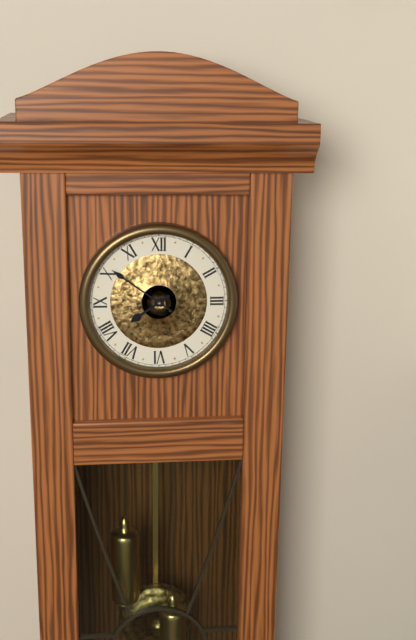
h=7 m=51
